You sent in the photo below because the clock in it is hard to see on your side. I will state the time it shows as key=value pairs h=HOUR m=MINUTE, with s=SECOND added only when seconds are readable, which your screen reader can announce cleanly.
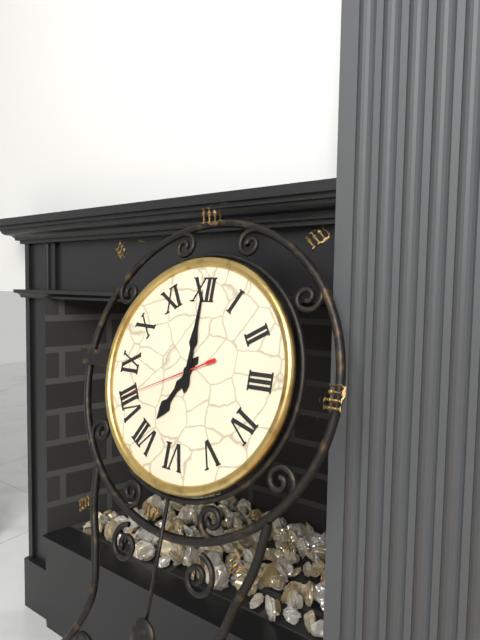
h=7 m=0 s=41
